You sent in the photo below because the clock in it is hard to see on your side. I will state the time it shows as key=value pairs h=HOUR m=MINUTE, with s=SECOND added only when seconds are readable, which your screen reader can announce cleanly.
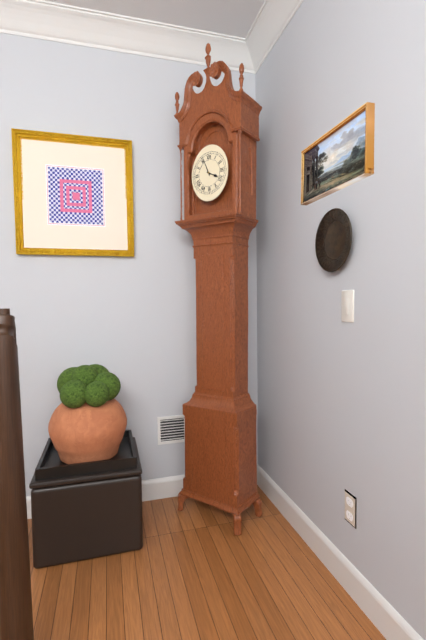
h=3 m=56
